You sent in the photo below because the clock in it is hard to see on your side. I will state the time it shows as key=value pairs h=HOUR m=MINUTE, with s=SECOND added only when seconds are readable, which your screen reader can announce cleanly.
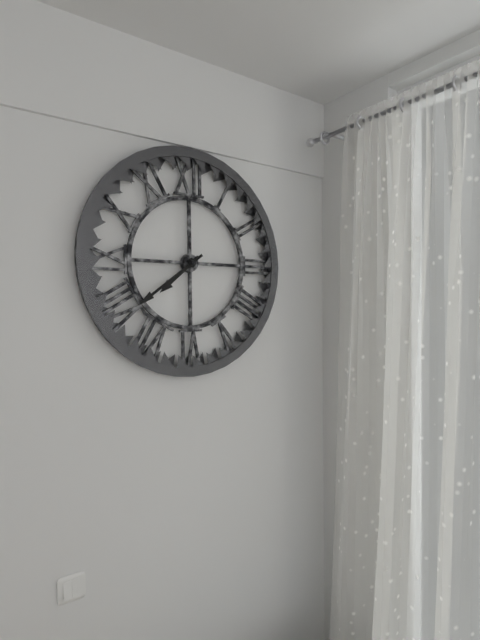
h=7 m=39
